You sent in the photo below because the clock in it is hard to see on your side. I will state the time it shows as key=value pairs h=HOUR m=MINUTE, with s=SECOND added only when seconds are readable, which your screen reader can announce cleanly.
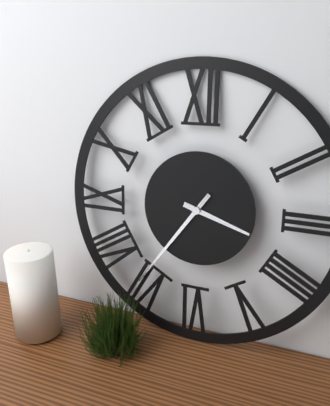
h=3 m=36
